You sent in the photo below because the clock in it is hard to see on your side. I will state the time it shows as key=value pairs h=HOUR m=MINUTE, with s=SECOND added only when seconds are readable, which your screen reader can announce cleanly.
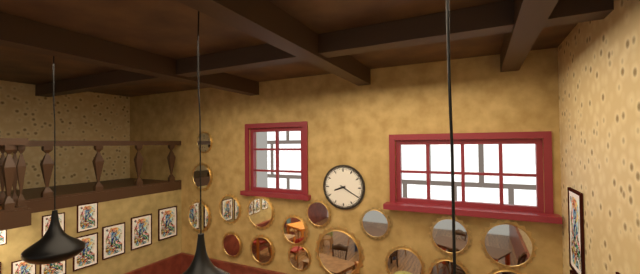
h=8 m=20
